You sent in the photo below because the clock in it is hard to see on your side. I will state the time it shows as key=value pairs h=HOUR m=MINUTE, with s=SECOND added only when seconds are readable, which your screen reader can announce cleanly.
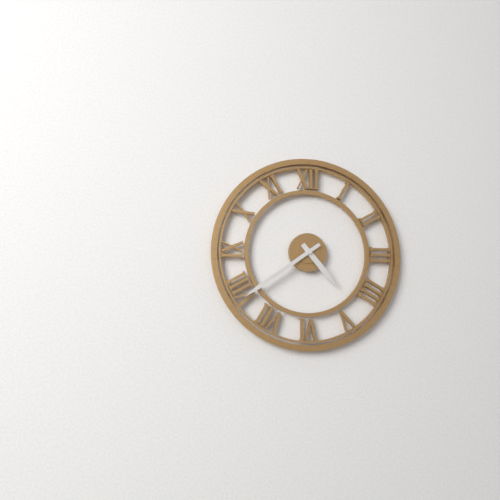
h=4 m=39
